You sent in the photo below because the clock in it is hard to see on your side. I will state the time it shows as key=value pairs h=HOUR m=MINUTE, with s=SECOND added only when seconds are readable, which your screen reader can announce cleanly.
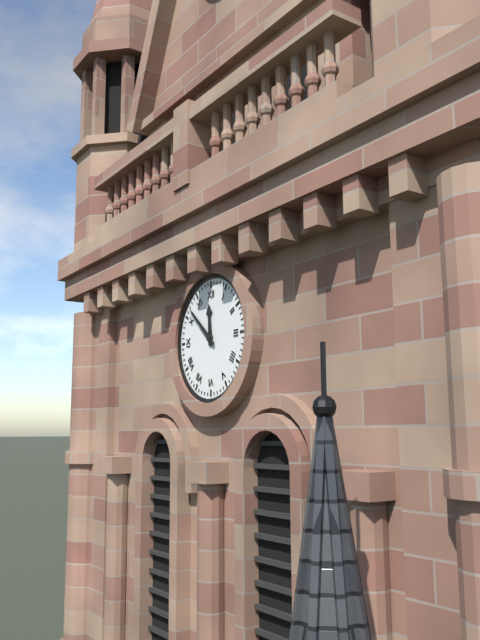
h=11 m=52
